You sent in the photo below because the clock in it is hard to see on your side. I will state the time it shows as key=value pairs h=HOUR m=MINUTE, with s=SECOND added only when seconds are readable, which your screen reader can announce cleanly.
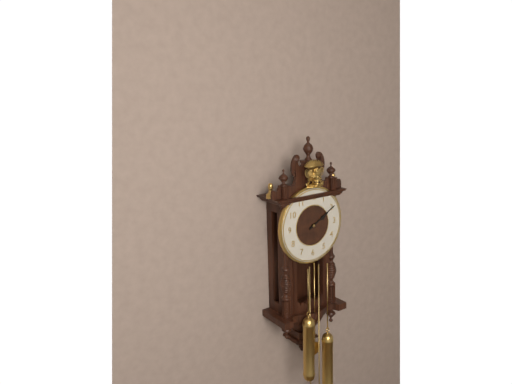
h=2 m=10
